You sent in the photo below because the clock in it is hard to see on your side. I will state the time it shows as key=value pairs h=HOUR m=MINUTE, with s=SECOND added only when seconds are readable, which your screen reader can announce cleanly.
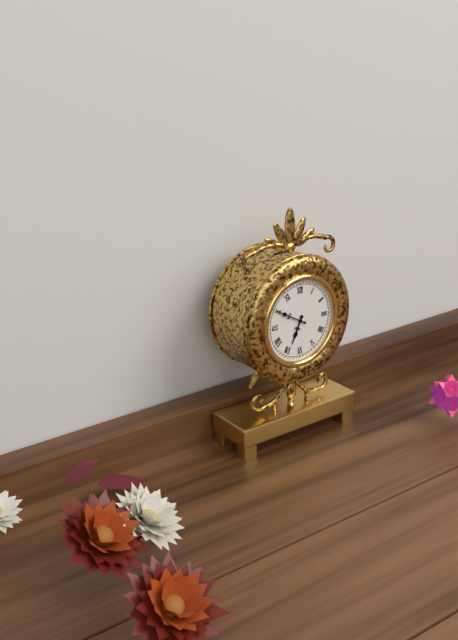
h=6 m=50
